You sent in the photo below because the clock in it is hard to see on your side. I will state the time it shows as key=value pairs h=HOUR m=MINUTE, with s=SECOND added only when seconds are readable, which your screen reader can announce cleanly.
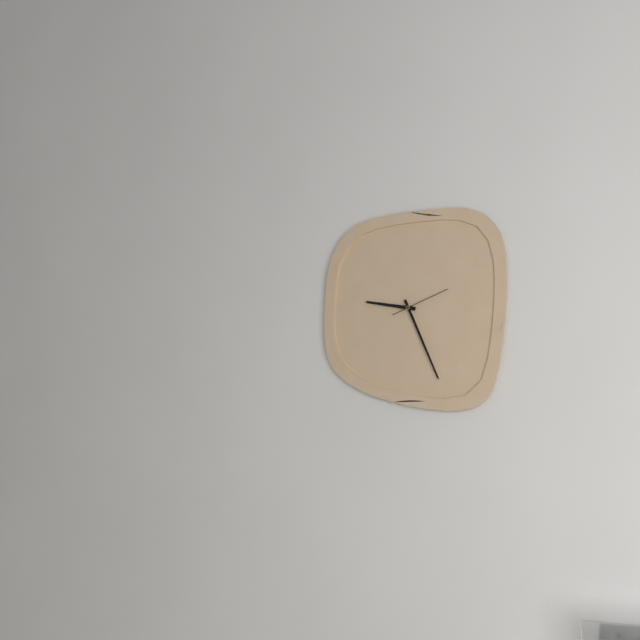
h=9 m=26 s=12
